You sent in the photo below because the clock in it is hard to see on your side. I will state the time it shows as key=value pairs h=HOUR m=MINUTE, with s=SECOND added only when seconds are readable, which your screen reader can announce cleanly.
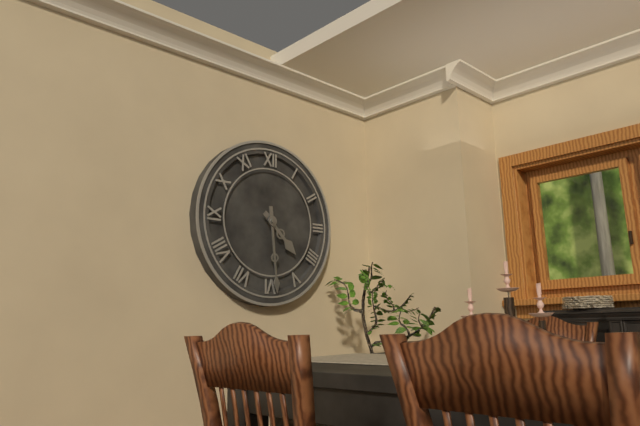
h=4 m=29
